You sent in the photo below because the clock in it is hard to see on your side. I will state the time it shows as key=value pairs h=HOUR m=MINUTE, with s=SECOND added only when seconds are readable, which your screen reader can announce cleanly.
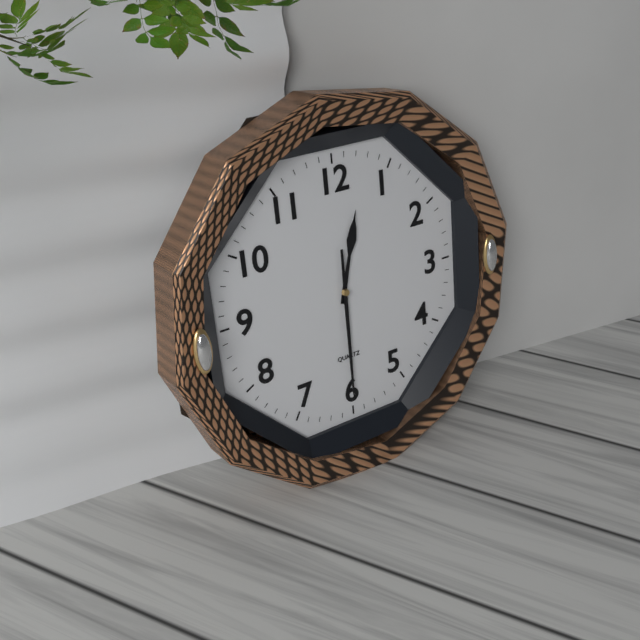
h=12 m=30
